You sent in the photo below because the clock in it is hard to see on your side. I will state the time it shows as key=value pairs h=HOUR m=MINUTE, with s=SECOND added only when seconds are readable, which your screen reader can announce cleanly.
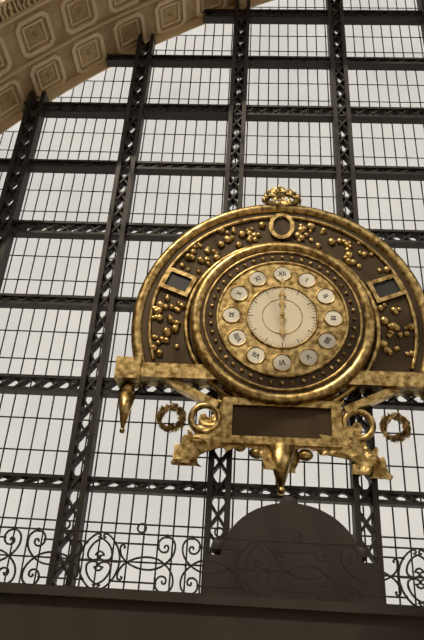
h=12 m=0
